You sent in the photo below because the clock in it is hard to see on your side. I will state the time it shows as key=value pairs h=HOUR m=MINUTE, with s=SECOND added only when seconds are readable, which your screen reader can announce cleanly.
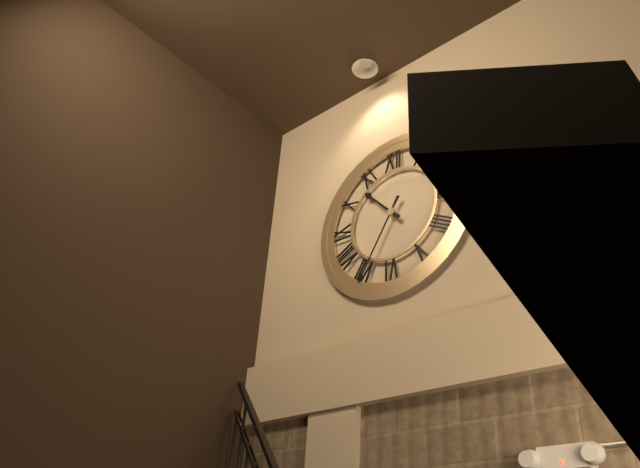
h=10 m=35
